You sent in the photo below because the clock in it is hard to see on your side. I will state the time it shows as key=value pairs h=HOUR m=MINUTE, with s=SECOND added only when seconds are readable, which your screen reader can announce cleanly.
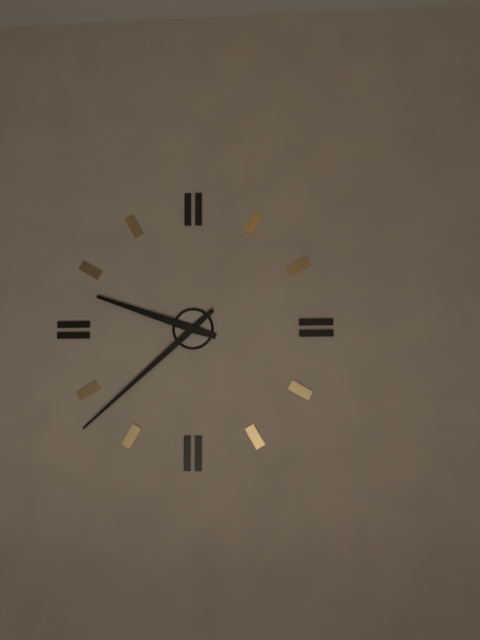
h=9 m=38
